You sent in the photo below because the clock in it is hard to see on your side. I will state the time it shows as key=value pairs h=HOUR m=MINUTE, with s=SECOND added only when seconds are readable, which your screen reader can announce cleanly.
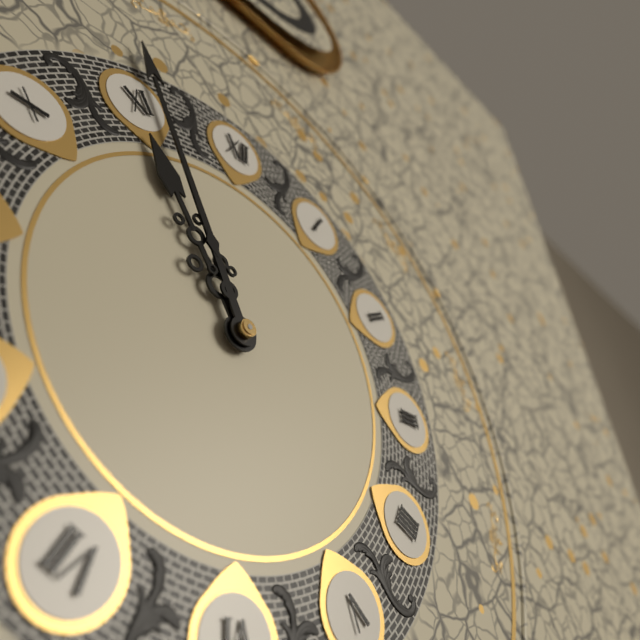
h=10 m=56
